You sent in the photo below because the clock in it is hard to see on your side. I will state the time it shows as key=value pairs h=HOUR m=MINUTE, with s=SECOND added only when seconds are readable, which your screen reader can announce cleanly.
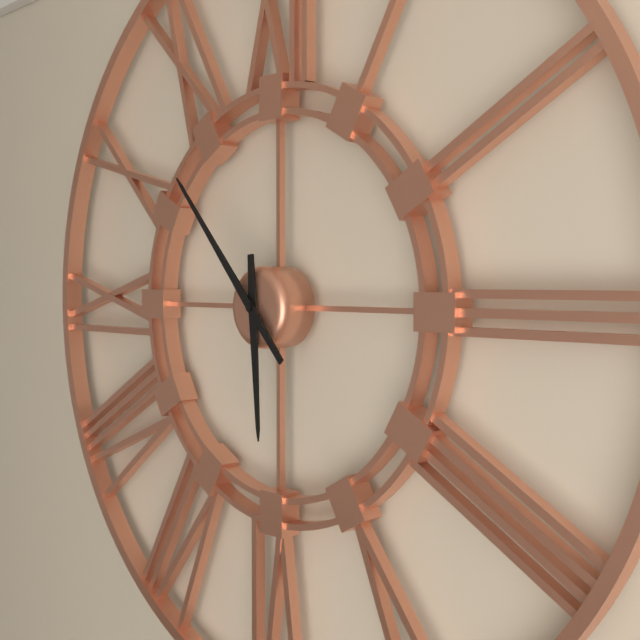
h=5 m=53
